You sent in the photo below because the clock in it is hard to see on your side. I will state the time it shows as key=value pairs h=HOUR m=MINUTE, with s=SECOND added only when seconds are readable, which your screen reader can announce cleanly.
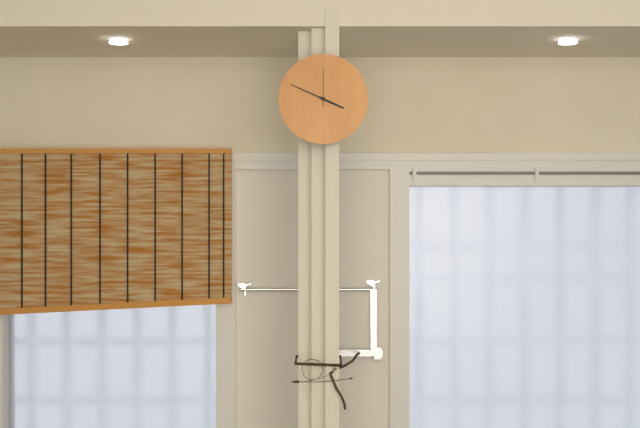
h=3 m=49
